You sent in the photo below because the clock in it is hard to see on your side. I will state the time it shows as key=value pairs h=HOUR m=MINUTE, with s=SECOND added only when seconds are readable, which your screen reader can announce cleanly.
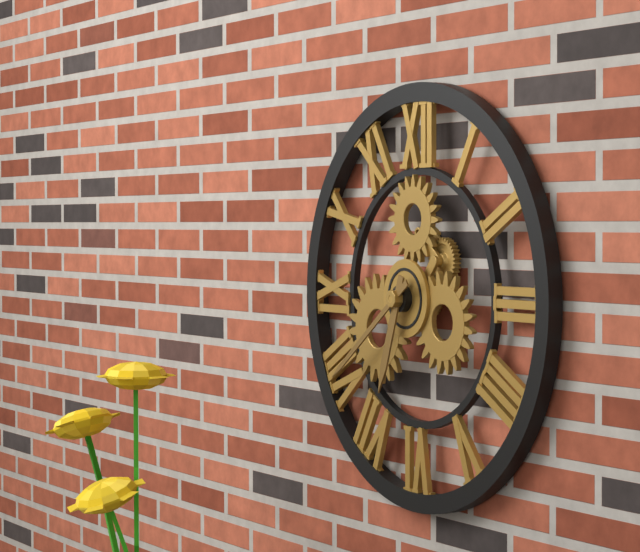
h=6 m=39
